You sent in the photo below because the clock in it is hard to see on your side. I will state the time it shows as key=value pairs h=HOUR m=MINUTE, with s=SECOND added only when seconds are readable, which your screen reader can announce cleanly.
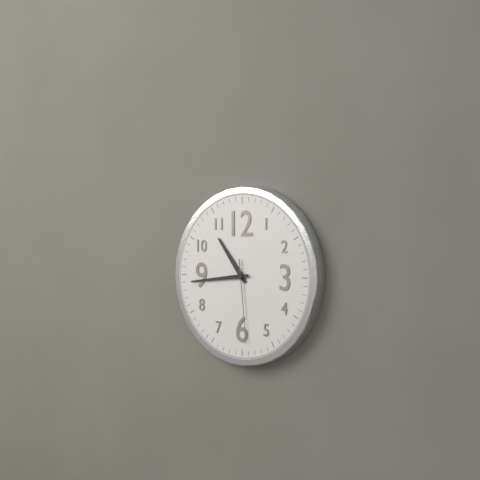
h=10 m=44 s=29
